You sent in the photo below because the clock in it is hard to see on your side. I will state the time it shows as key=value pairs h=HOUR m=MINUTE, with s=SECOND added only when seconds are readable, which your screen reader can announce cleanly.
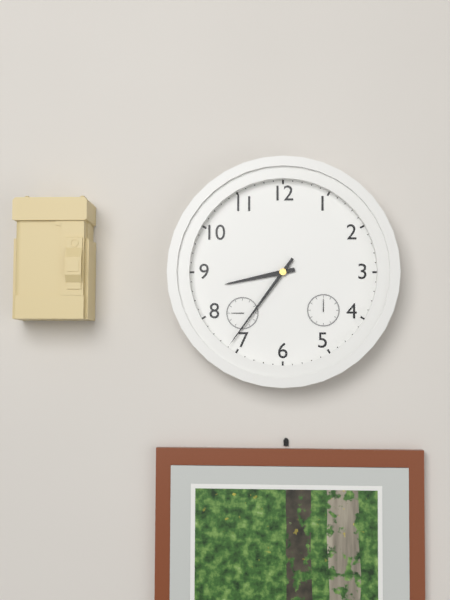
h=8 m=36
